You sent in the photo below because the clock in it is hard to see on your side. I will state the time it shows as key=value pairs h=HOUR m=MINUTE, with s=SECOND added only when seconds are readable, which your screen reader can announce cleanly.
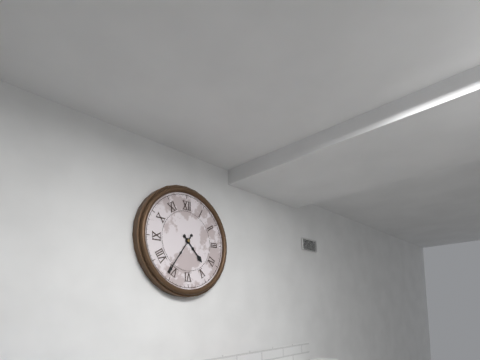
h=4 m=36
